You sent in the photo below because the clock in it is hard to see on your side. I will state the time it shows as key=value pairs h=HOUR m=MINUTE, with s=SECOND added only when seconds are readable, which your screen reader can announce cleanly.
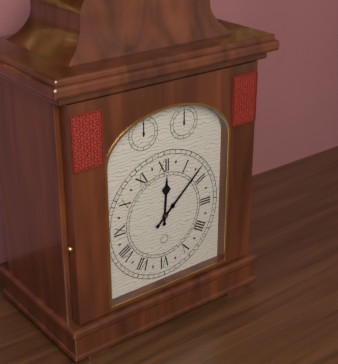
h=12 m=8
